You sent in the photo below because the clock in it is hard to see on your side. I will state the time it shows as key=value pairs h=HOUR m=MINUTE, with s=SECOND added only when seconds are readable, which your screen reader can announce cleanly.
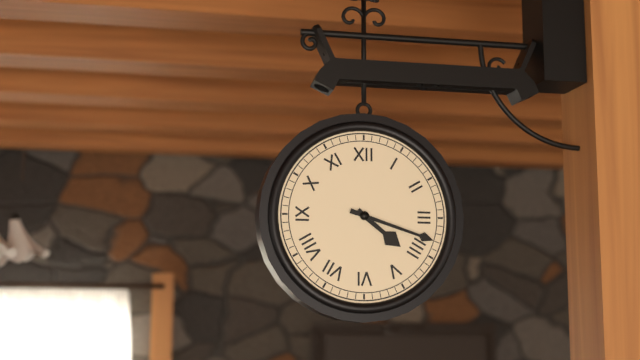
h=4 m=18
